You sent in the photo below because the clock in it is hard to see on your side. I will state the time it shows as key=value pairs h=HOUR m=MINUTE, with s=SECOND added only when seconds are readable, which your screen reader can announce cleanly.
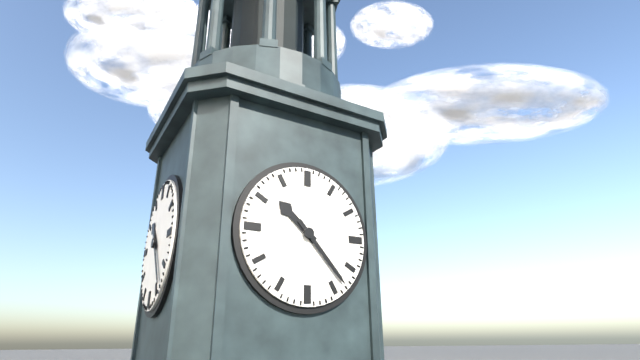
h=10 m=23
